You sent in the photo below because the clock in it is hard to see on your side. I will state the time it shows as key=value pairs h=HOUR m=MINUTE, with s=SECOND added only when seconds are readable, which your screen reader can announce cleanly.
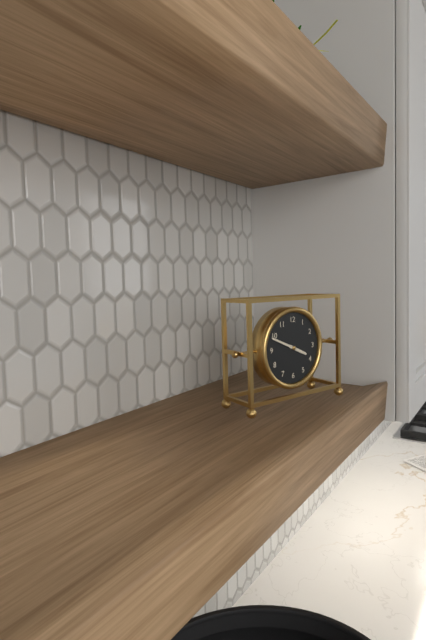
h=3 m=49
